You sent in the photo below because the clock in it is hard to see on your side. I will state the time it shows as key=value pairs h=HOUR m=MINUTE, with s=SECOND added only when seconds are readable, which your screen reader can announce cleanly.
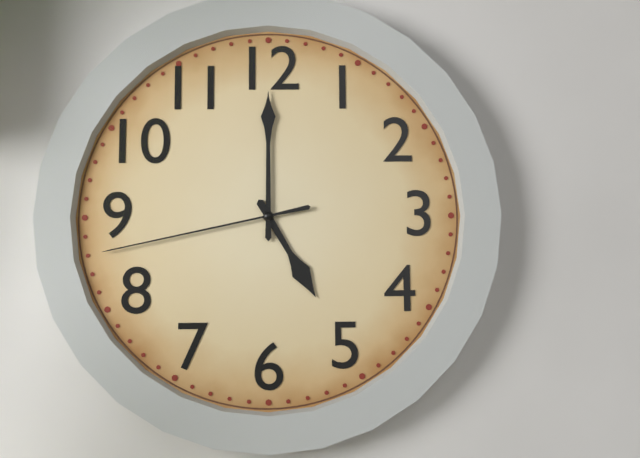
h=5 m=0 s=43
